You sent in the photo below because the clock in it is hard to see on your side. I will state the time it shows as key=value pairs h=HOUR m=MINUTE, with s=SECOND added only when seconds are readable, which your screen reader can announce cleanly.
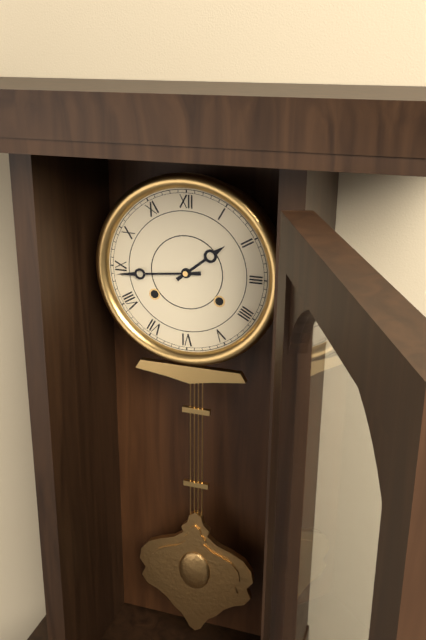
h=1 m=44
